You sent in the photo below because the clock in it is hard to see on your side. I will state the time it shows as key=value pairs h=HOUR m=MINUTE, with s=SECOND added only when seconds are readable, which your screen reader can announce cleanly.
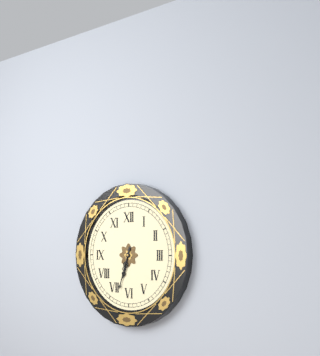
h=6 m=33
